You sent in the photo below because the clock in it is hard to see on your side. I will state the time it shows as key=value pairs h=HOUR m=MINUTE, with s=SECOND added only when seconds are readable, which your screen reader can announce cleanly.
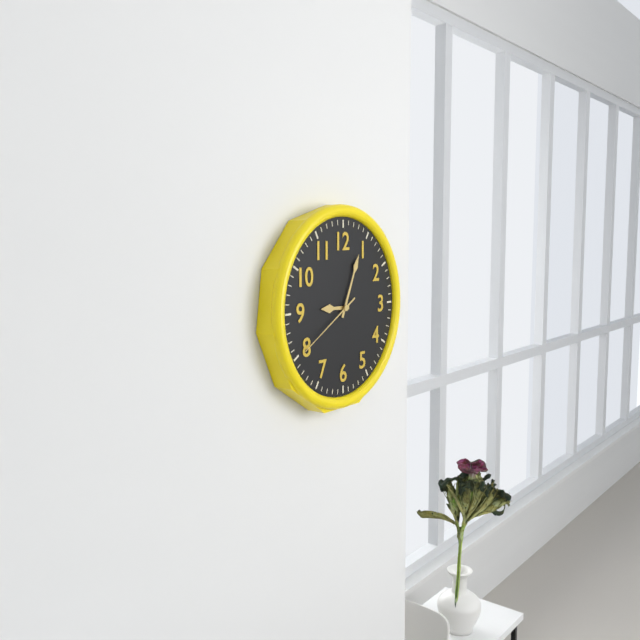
h=9 m=4 s=40
